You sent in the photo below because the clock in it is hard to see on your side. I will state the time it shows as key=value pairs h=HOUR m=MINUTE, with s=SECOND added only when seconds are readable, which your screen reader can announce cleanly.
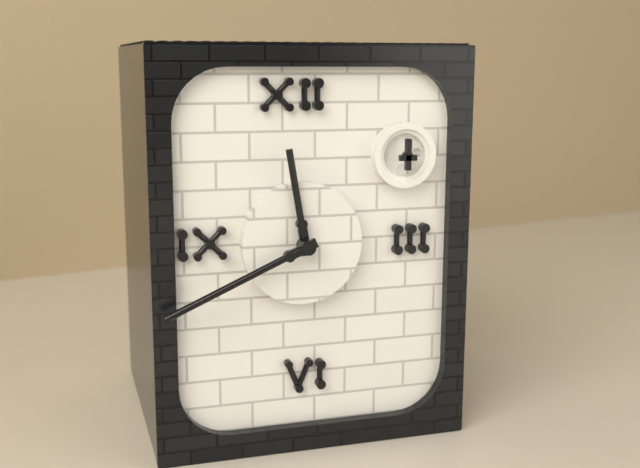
h=11 m=41
